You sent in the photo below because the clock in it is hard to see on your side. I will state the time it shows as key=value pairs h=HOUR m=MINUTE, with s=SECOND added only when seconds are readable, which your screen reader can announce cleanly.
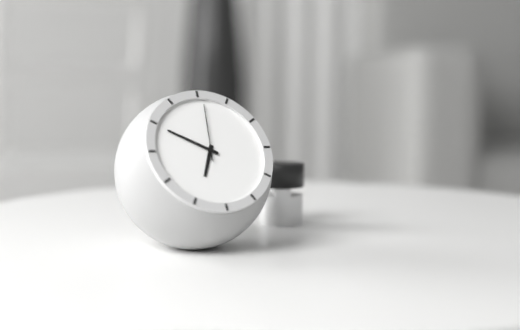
h=6 m=50 s=1
